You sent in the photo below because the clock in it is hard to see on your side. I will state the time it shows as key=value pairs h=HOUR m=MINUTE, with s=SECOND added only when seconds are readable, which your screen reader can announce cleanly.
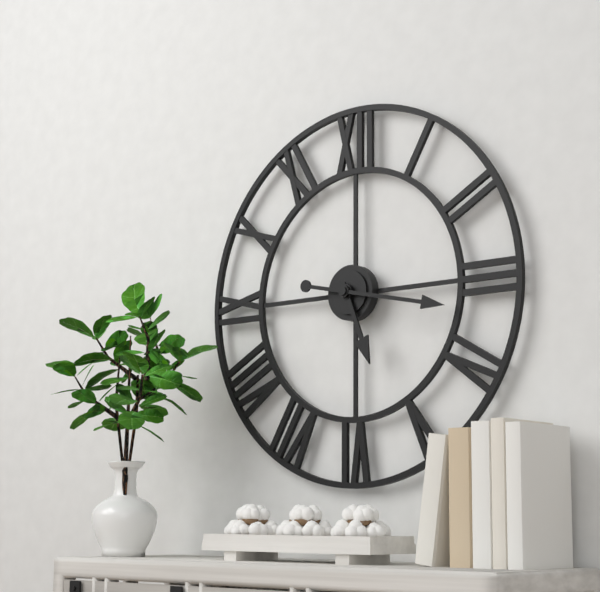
h=5 m=17
